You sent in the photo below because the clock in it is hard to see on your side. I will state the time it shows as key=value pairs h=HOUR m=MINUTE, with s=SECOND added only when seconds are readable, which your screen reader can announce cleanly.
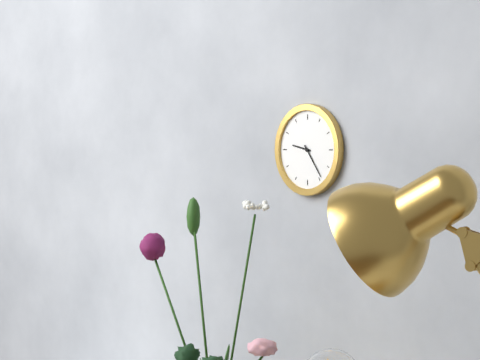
h=9 m=24
